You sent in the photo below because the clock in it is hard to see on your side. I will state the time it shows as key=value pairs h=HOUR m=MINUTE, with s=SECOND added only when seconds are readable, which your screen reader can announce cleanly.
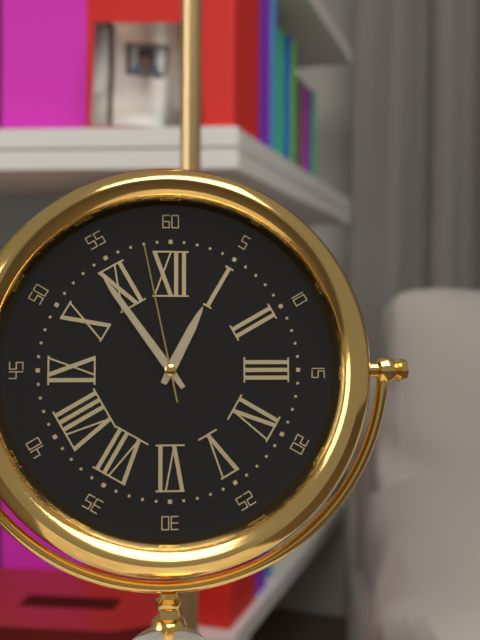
h=12 m=54 s=58
